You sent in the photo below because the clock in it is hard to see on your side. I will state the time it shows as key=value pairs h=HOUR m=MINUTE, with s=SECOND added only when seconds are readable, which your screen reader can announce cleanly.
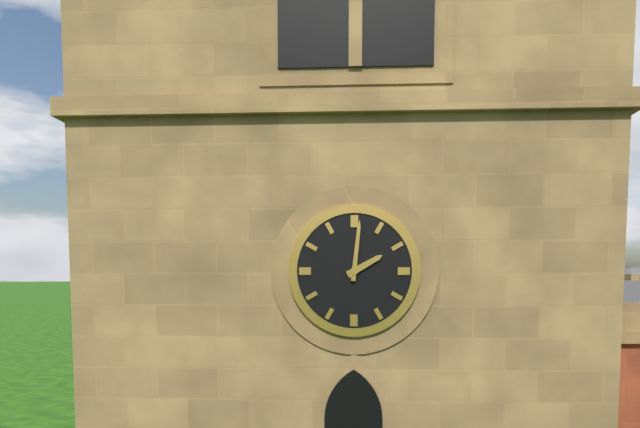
h=2 m=1
